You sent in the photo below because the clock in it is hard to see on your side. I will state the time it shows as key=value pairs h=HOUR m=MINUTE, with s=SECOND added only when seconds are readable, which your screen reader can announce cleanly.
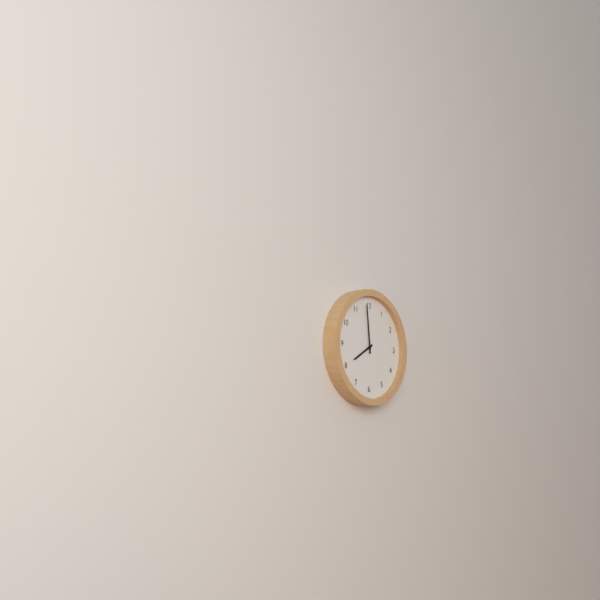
h=7 m=59
